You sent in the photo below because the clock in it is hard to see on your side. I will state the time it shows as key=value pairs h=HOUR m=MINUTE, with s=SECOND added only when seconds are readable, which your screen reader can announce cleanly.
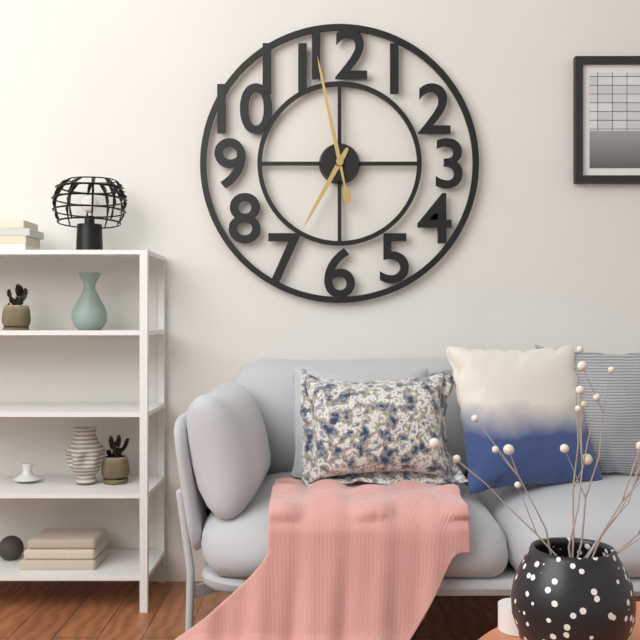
h=6 m=58
